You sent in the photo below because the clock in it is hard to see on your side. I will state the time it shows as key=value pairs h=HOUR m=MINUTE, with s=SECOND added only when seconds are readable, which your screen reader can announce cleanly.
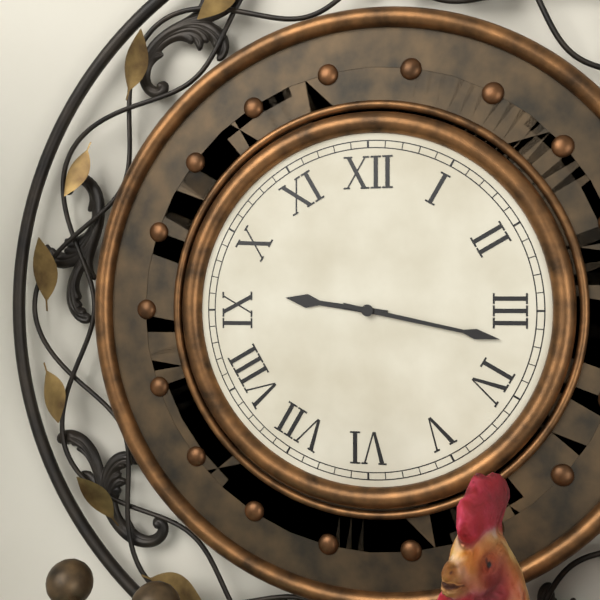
h=9 m=17
